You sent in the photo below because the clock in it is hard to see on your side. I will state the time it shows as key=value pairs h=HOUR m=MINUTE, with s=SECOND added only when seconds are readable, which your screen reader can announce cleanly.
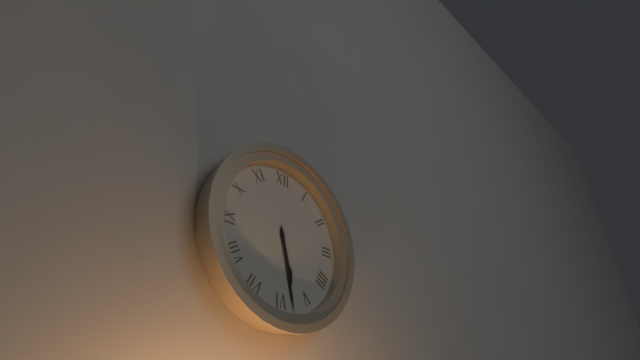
h=5 m=28
